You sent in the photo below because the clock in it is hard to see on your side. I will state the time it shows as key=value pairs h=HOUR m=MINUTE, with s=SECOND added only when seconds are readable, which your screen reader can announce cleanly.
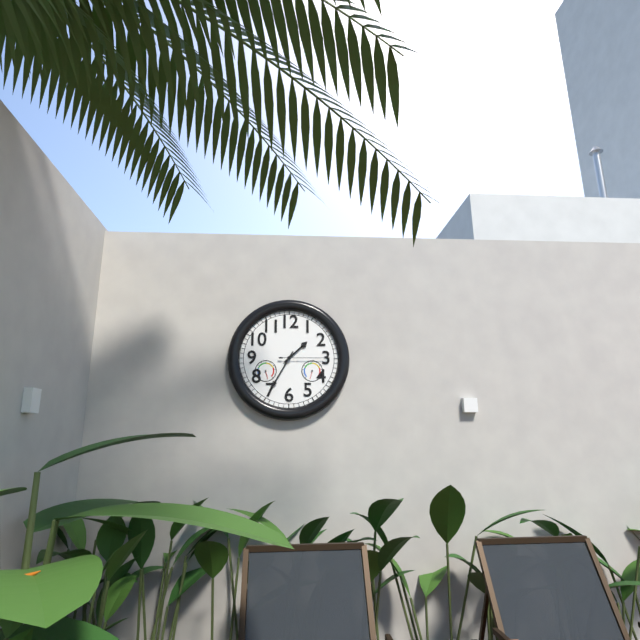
h=1 m=35 s=15
